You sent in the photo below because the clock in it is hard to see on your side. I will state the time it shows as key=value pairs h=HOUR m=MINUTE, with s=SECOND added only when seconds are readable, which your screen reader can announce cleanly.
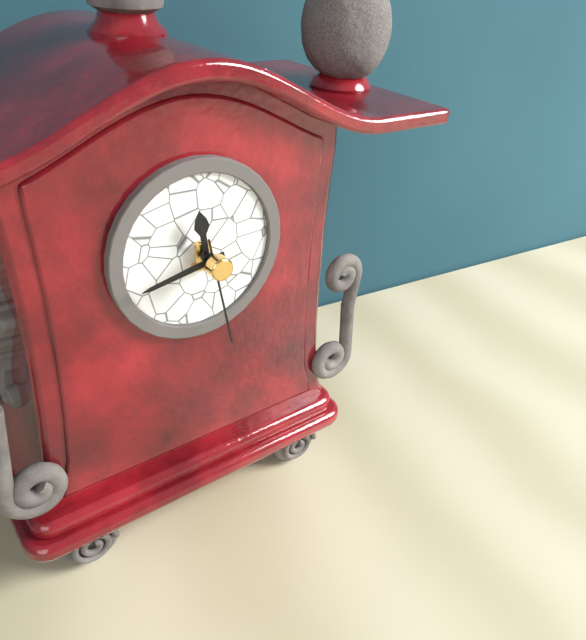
h=11 m=43 s=28
